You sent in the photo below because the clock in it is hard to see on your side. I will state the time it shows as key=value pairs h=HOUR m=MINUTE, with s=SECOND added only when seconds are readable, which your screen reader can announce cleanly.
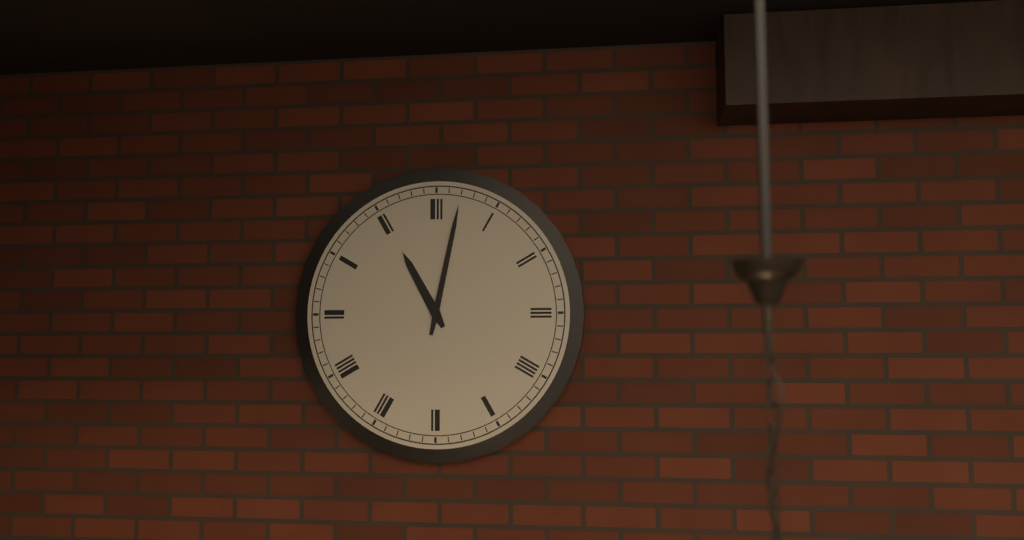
h=11 m=2
